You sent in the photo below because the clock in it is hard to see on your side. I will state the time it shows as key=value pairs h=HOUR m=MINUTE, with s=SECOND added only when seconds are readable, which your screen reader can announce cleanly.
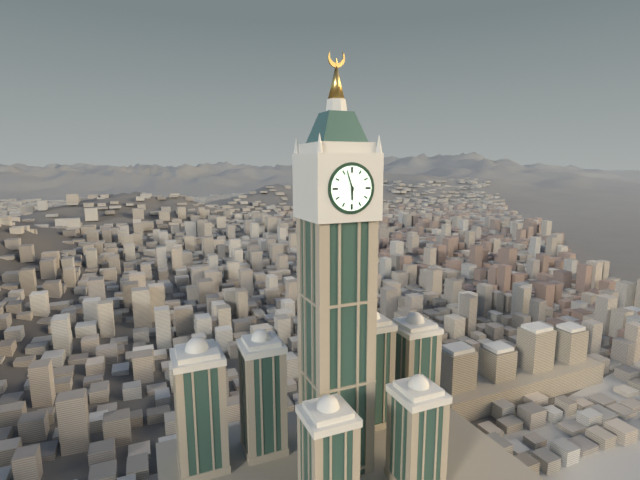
h=5 m=57
